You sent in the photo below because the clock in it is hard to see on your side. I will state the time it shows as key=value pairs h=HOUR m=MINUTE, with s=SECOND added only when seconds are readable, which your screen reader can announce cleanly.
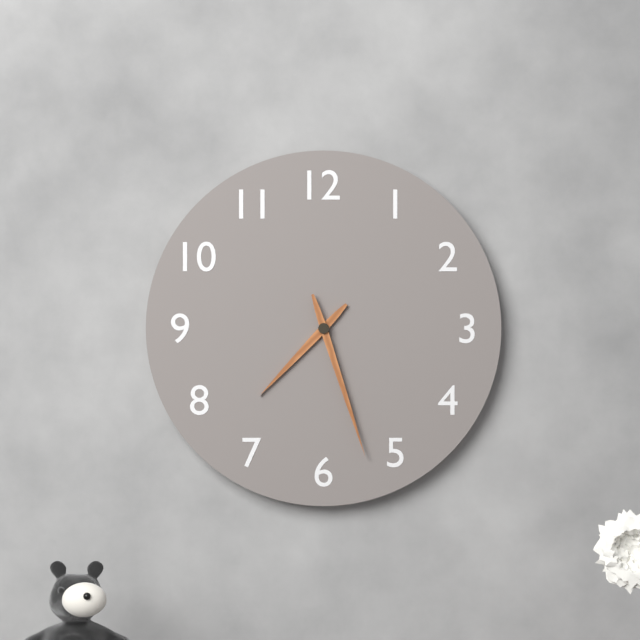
h=7 m=27
